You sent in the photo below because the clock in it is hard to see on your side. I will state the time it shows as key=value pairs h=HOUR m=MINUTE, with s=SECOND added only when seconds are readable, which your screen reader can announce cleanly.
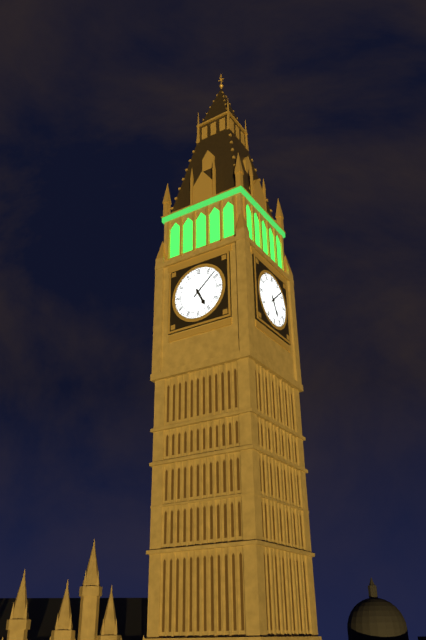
h=5 m=8
